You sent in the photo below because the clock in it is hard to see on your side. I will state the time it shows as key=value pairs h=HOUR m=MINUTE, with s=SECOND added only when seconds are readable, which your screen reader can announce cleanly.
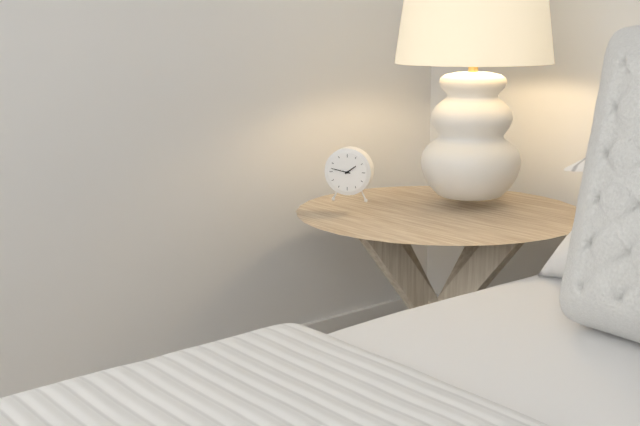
h=1 m=47
